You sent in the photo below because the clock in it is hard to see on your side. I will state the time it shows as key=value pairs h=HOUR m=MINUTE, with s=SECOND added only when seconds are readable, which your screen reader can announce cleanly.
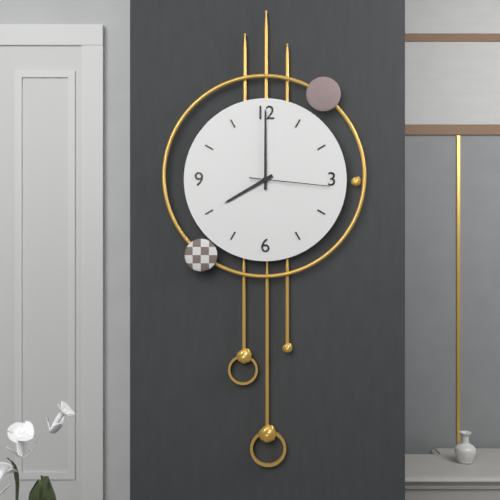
h=8 m=0 s=16
